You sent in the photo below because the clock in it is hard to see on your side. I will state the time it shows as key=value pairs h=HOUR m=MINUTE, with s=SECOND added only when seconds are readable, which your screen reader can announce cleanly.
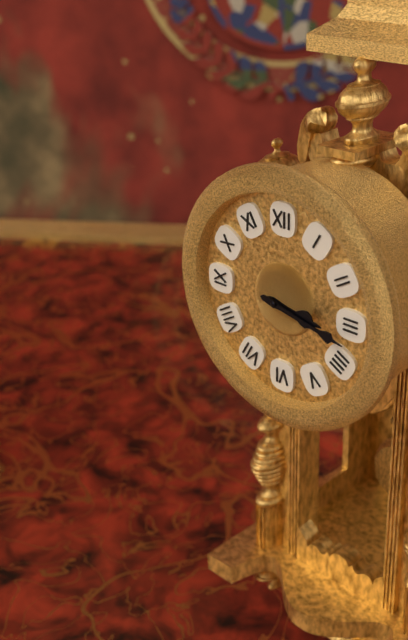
h=3 m=17
